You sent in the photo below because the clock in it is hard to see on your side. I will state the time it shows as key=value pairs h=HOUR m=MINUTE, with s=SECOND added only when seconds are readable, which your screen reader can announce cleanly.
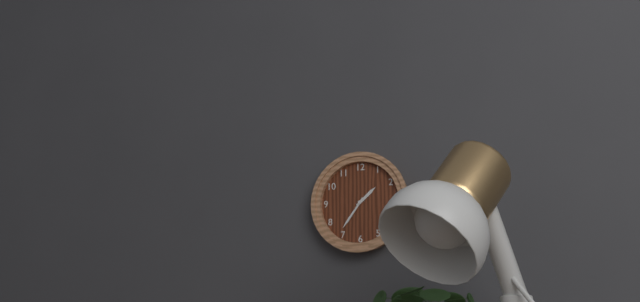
h=1 m=36
